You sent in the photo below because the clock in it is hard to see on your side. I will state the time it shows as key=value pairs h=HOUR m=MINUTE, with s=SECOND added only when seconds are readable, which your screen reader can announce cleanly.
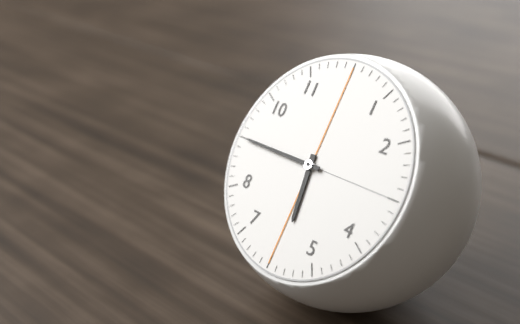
h=5 m=45
